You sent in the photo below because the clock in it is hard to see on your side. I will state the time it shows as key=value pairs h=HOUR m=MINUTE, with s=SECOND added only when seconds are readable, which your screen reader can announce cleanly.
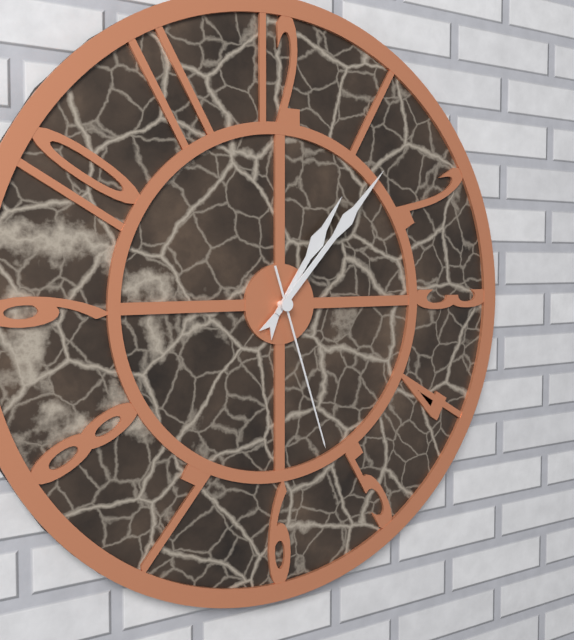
h=1 m=7 s=27
